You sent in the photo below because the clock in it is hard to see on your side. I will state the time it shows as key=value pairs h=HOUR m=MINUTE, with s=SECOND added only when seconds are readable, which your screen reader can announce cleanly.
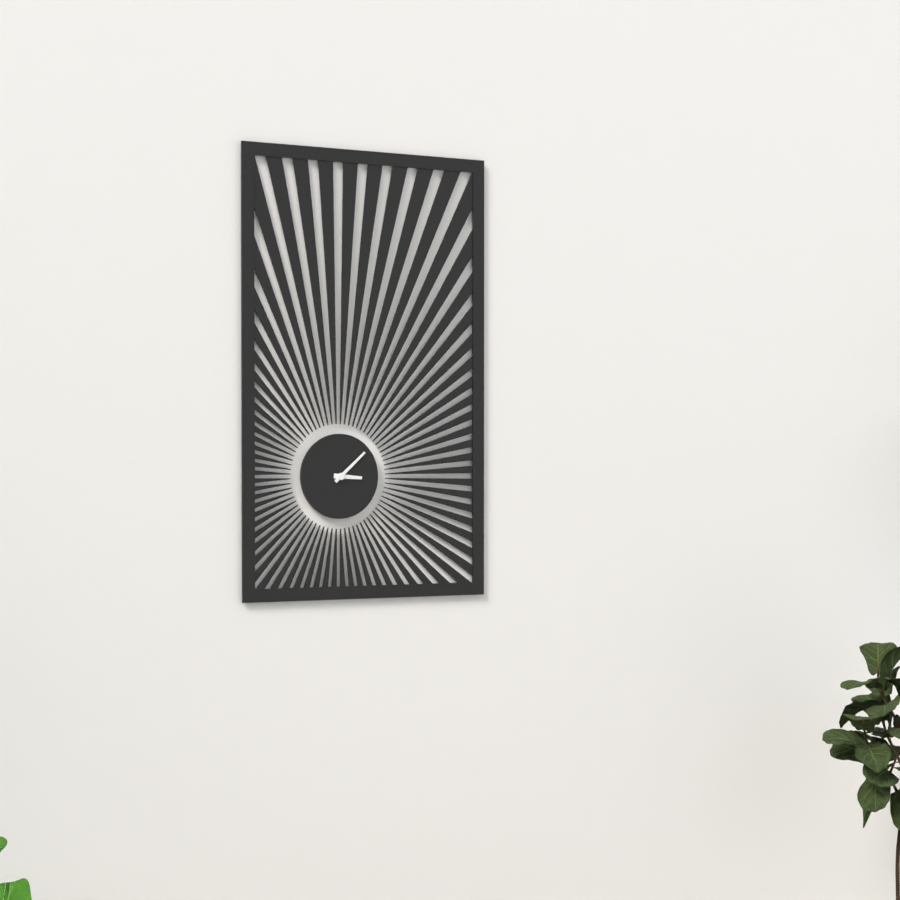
h=3 m=8
